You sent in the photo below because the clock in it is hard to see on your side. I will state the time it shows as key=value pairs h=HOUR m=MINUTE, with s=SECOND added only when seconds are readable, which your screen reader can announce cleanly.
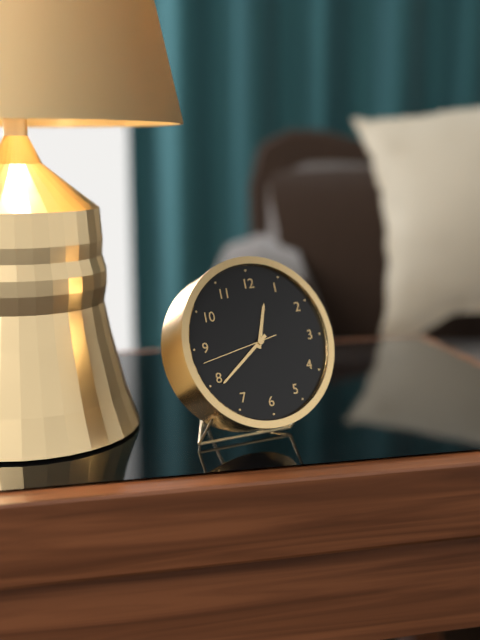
h=12 m=39 s=43
